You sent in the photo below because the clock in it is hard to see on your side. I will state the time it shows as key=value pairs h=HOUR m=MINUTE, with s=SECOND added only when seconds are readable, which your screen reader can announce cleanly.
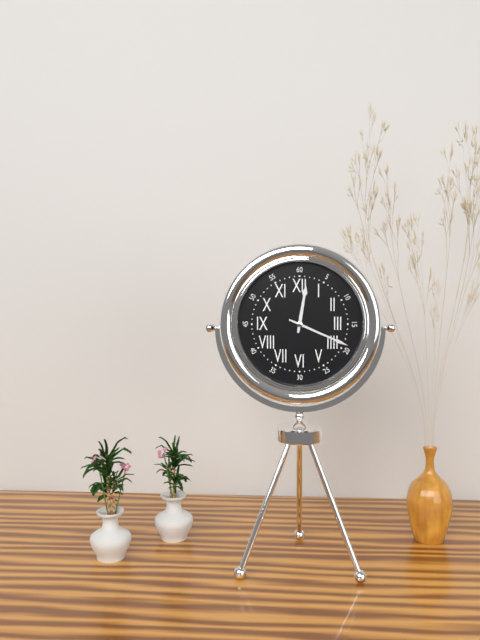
h=12 m=19
